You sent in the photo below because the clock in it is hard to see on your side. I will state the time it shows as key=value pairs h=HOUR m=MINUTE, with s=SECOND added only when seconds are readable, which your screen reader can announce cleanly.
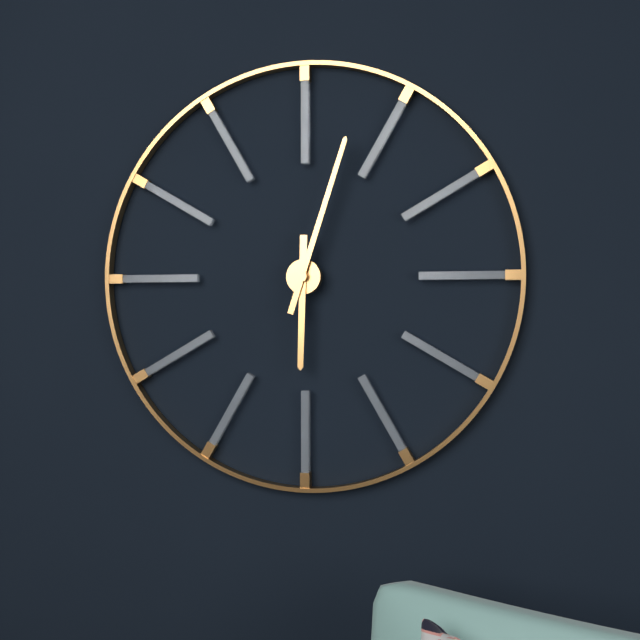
h=6 m=3
